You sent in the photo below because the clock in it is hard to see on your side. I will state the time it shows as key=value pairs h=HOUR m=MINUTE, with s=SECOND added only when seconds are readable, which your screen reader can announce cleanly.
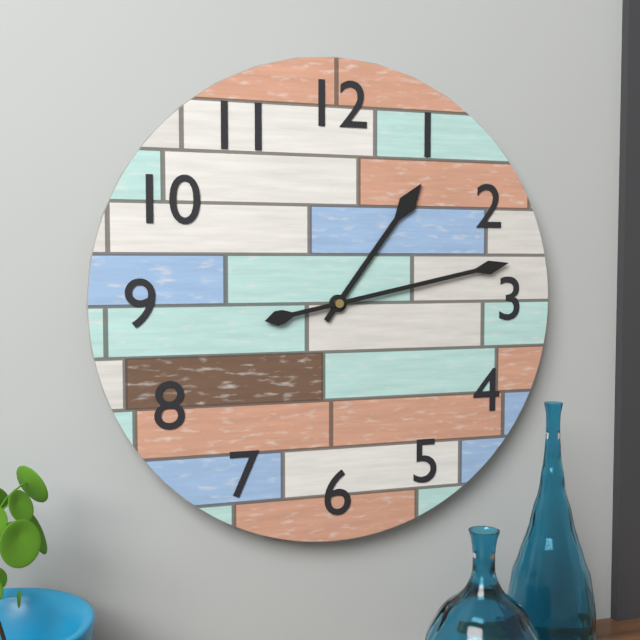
h=1 m=13
